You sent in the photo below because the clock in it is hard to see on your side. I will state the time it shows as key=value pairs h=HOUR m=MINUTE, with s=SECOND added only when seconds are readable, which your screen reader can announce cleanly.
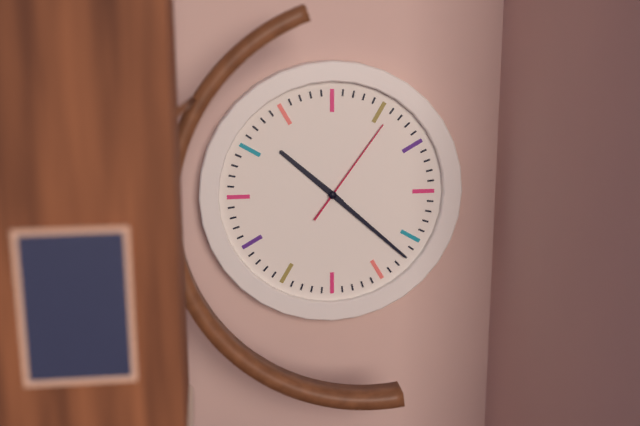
h=10 m=22 s=6
